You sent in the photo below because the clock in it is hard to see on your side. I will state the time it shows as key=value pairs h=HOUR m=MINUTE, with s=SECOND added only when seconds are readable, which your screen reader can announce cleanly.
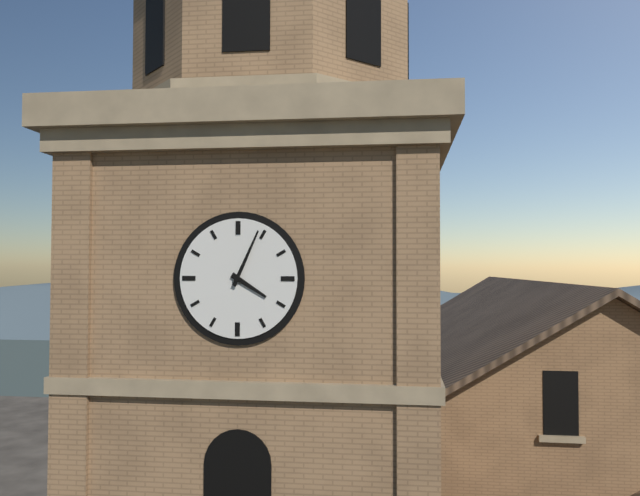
h=4 m=4
